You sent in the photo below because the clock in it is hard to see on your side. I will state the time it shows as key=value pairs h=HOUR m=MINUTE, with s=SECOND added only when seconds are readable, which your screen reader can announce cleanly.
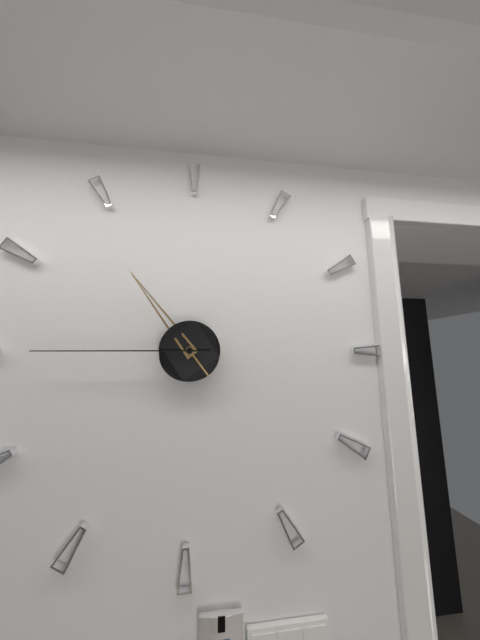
h=10 m=45
